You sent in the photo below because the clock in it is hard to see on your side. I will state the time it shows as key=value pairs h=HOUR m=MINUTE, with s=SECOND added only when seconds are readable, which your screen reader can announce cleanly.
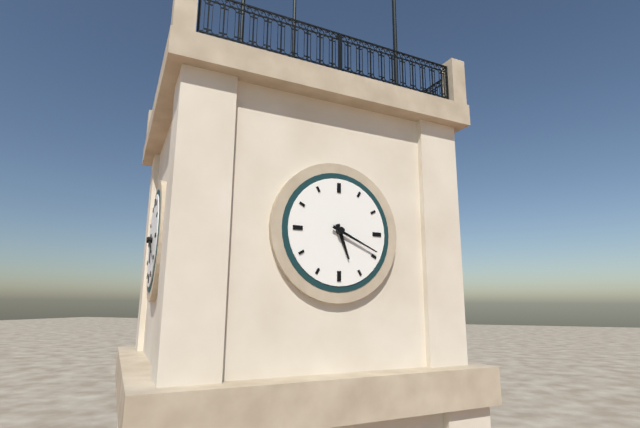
h=5 m=19
